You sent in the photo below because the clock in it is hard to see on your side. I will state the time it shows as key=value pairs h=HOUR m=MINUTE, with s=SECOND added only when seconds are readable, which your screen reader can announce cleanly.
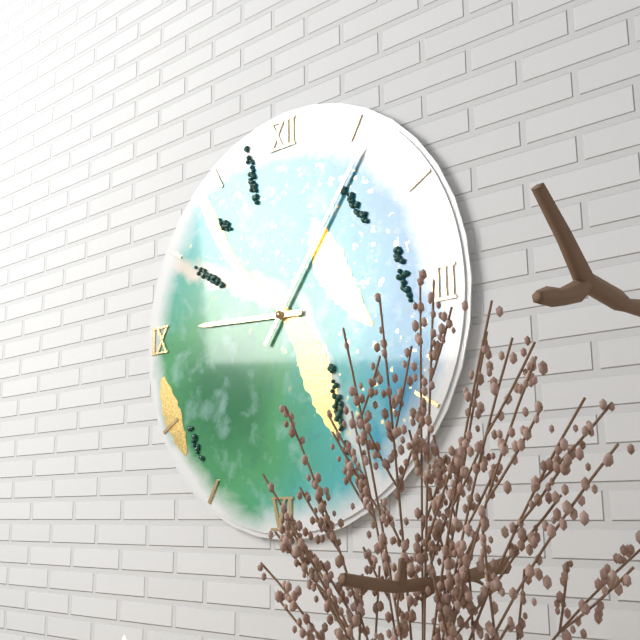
h=9 m=6
